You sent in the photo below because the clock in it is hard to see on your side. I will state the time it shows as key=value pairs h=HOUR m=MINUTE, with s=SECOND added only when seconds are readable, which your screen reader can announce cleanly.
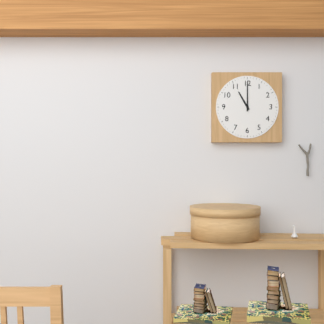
h=11 m=0
